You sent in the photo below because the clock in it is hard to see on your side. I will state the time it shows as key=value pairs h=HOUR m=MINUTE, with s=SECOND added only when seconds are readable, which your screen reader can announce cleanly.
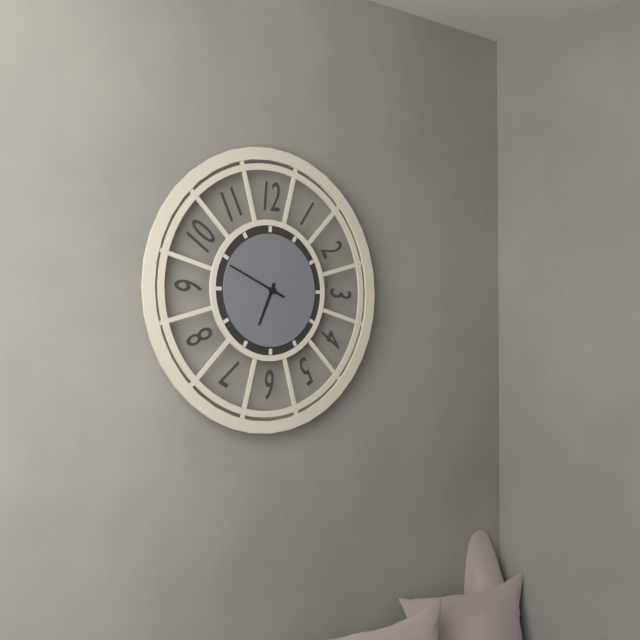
h=6 m=49
